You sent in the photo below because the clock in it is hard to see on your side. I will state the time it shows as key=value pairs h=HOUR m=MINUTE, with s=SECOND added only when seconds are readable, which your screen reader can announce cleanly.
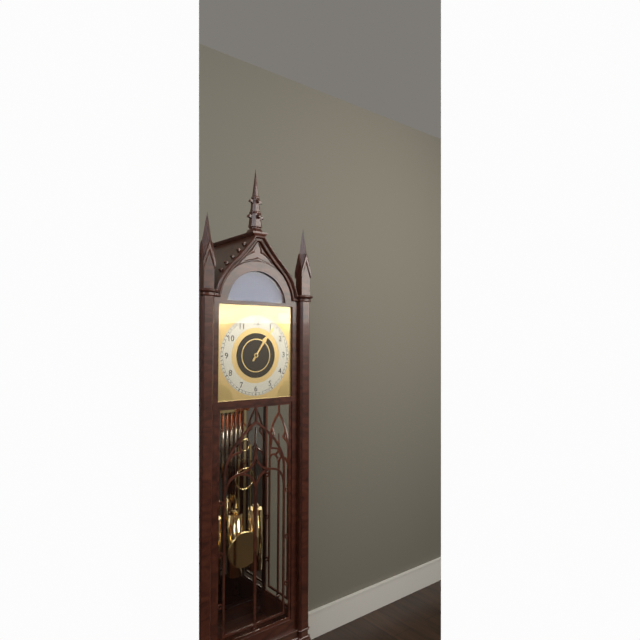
h=1 m=6
